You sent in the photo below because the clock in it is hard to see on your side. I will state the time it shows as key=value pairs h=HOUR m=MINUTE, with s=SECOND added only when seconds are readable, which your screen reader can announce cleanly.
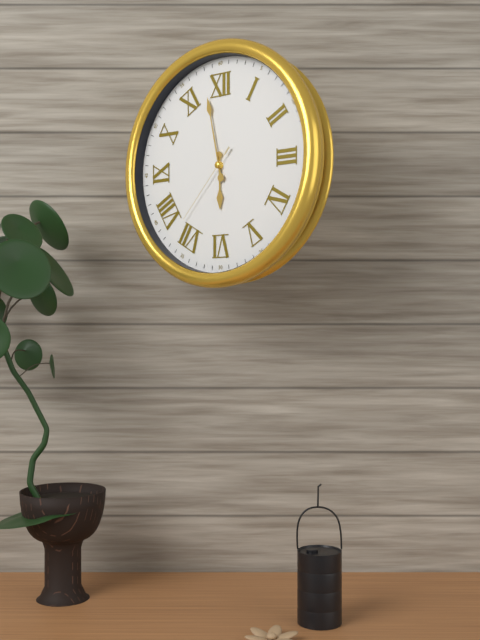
h=5 m=58 s=37
